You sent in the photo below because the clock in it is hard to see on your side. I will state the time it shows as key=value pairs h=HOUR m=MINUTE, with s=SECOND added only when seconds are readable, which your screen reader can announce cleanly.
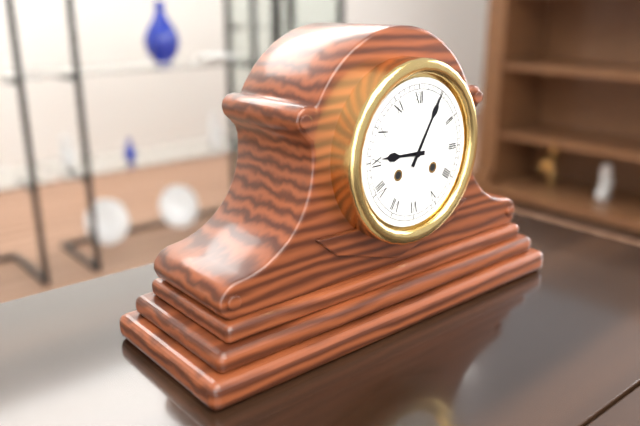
h=9 m=5
